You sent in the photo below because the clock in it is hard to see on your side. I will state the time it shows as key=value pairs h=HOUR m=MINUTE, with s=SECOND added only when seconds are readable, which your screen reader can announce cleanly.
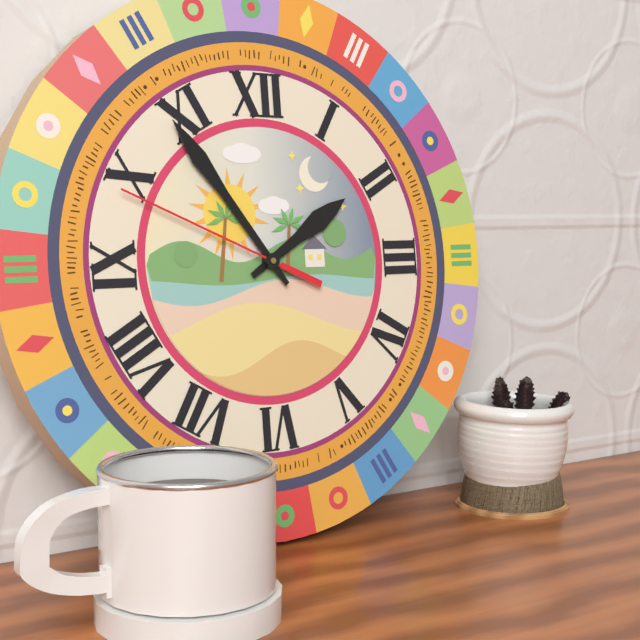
h=1 m=54 s=49
